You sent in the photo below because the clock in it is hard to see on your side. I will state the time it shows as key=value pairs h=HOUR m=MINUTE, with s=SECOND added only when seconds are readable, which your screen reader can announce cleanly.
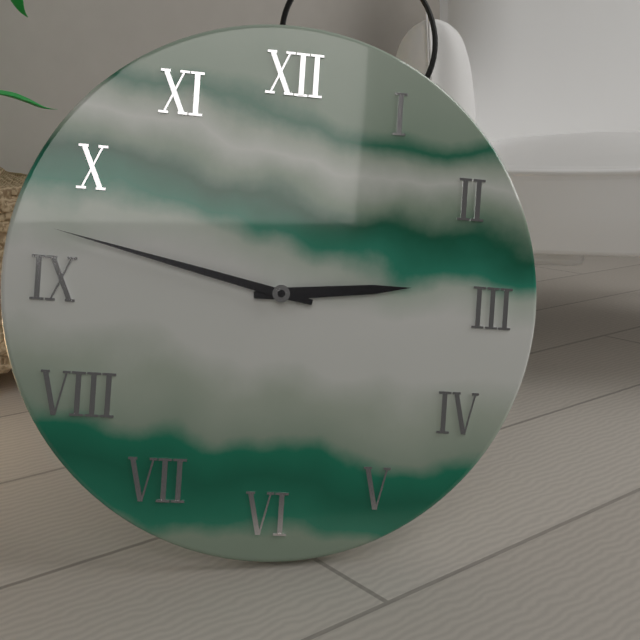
h=2 m=47
